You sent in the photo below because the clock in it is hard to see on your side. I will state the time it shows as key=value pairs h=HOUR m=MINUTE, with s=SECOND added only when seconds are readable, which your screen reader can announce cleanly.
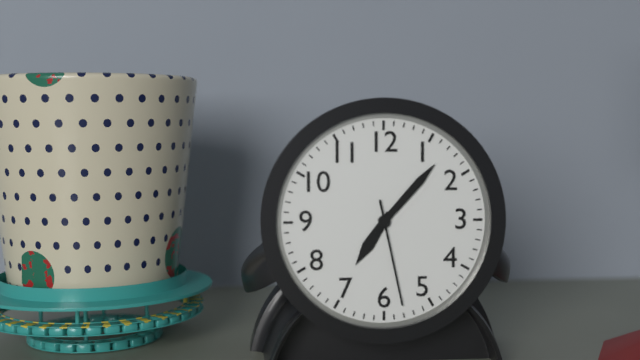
h=7 m=7 s=28
